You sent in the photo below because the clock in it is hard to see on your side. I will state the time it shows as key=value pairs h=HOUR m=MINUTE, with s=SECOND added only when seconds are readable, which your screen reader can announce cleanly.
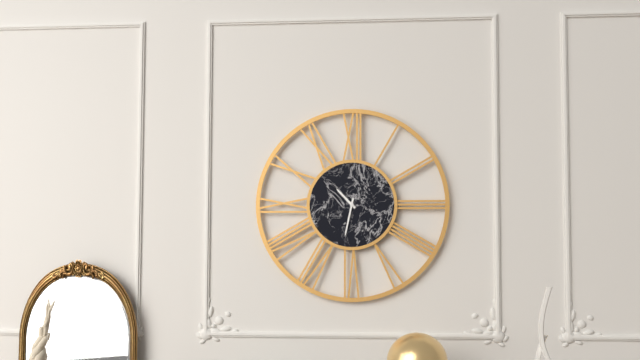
h=10 m=32
